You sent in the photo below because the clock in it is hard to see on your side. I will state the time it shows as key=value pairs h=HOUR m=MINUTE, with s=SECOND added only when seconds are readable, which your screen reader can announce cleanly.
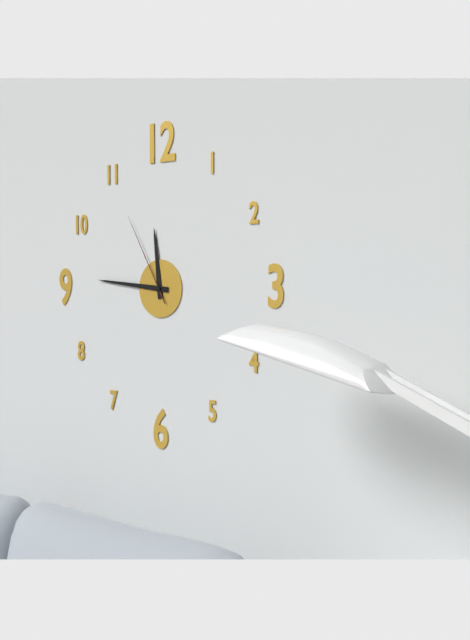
h=11 m=46 s=55
